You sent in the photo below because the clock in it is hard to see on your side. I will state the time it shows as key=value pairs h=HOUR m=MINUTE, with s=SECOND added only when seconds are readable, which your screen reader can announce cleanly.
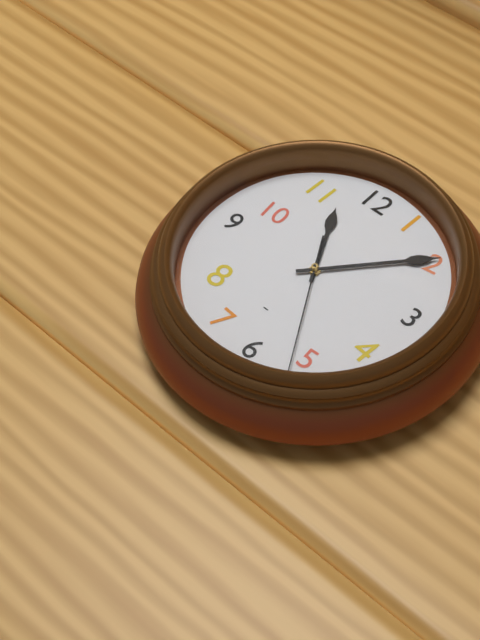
h=11 m=7 s=25
